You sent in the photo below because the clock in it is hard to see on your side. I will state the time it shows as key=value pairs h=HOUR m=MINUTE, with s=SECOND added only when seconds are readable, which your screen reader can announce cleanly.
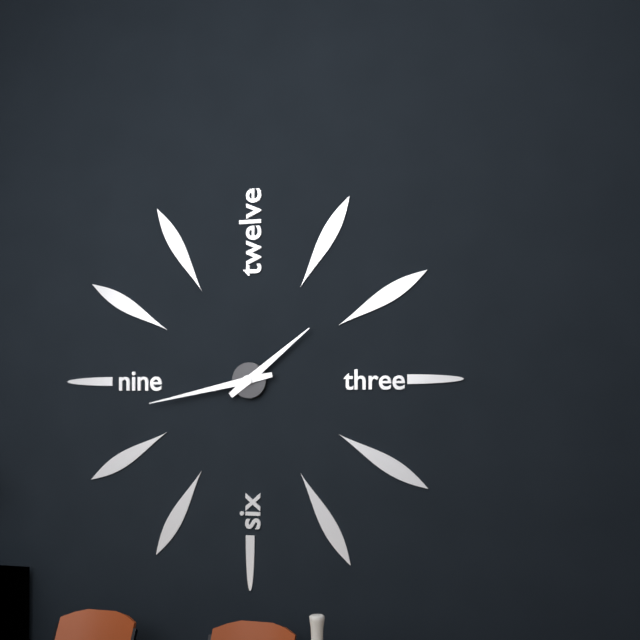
h=1 m=43
